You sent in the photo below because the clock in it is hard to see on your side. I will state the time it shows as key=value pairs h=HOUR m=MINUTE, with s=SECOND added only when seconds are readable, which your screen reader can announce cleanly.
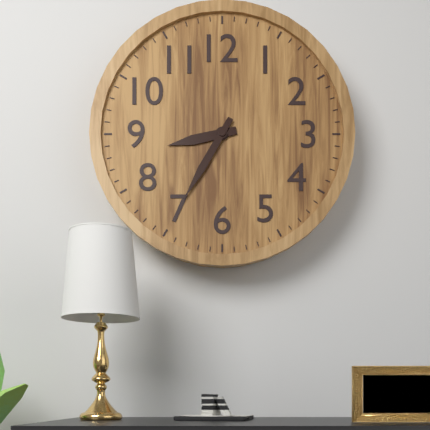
h=8 m=35
